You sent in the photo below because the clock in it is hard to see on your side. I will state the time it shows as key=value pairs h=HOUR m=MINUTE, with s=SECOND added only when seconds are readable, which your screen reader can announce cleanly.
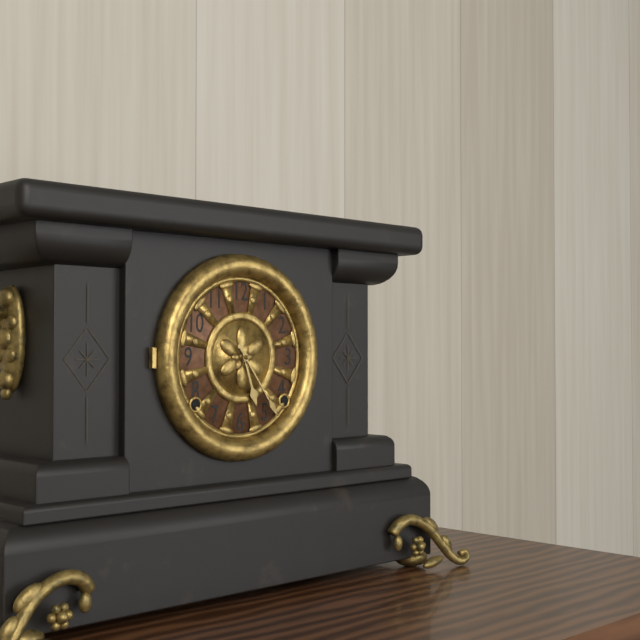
h=5 m=24
